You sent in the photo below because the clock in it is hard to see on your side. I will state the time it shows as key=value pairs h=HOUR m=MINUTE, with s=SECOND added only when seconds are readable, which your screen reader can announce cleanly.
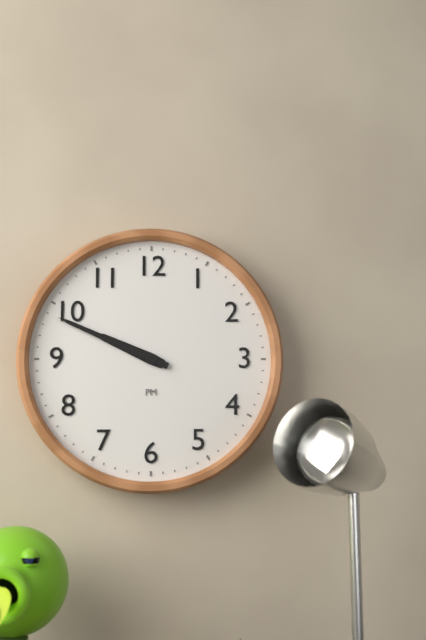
h=9 m=49
